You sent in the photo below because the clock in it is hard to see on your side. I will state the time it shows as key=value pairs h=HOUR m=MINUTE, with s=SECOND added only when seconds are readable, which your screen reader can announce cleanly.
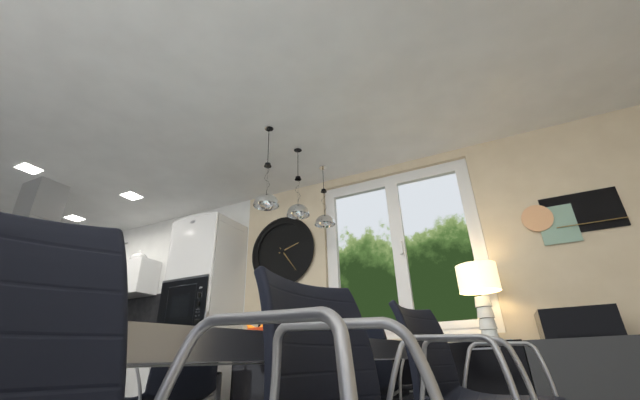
h=2 m=24
